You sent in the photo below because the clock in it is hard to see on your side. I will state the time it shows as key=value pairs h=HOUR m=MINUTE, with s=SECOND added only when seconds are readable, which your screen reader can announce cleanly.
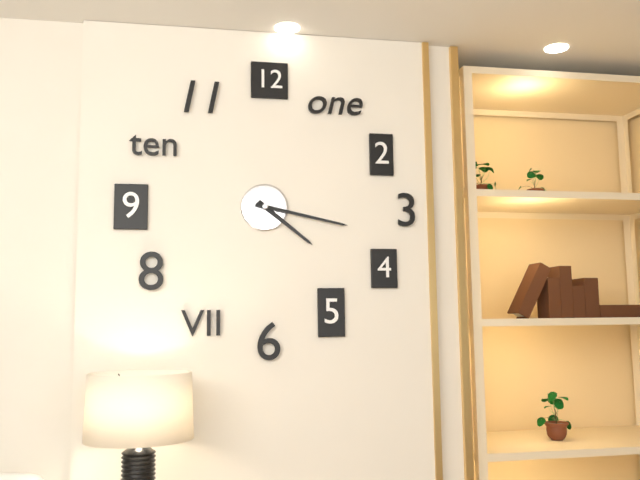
h=4 m=17
